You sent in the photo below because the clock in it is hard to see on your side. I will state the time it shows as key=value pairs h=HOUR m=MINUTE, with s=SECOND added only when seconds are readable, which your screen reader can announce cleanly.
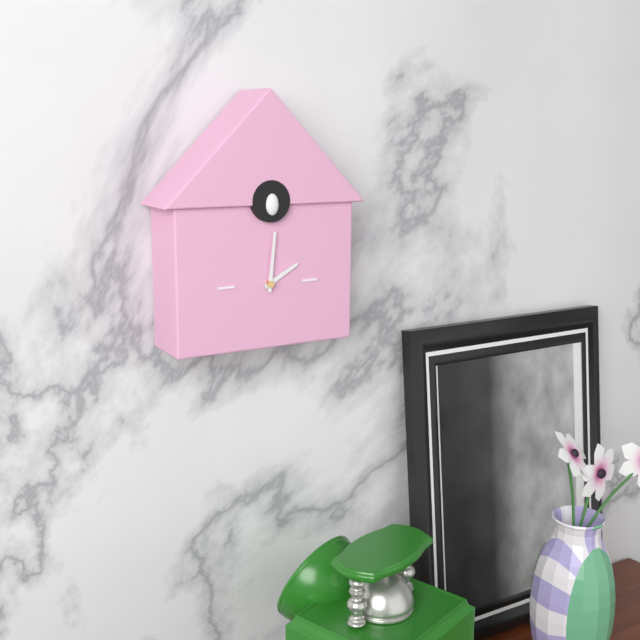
h=2 m=1
